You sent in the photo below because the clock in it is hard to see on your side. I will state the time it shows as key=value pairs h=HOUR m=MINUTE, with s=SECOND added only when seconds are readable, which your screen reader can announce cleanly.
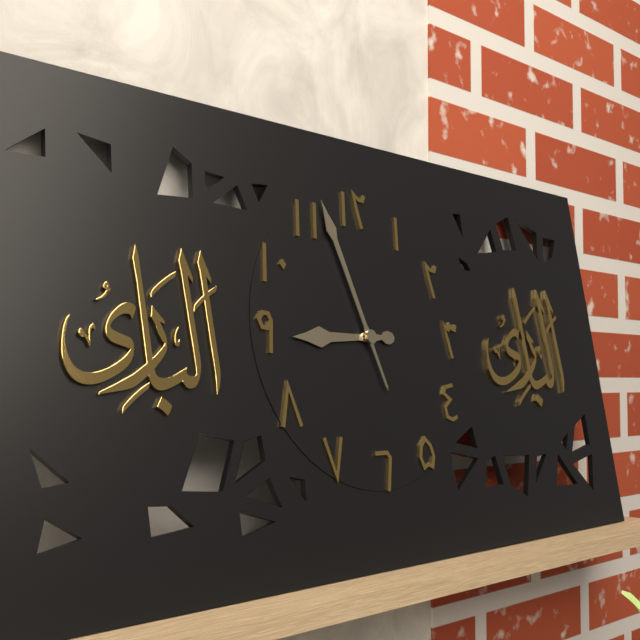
h=8 m=57
